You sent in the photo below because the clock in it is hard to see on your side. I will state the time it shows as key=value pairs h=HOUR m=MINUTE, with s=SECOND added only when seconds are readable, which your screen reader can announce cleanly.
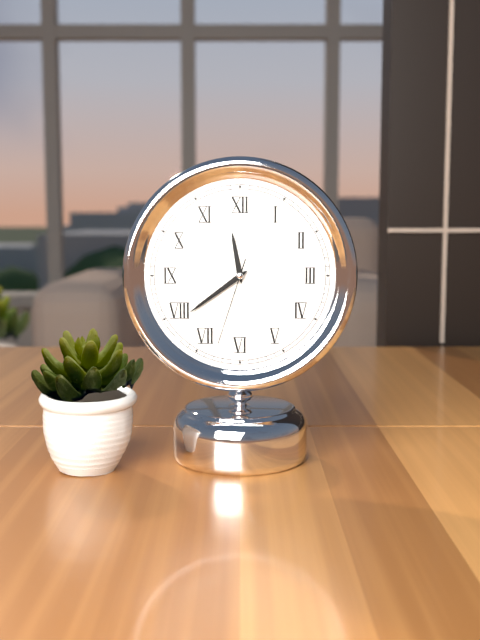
h=11 m=39 s=33
